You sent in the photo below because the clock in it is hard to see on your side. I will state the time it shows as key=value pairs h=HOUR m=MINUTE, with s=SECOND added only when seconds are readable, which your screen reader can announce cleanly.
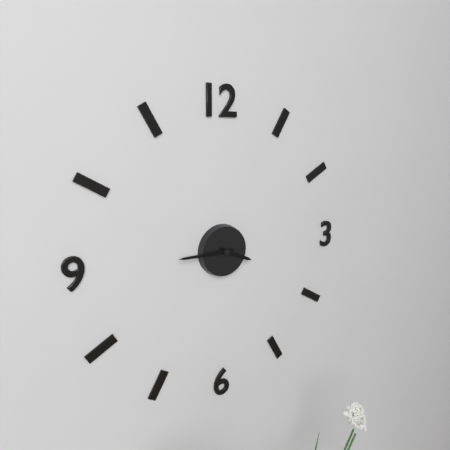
h=3 m=45
